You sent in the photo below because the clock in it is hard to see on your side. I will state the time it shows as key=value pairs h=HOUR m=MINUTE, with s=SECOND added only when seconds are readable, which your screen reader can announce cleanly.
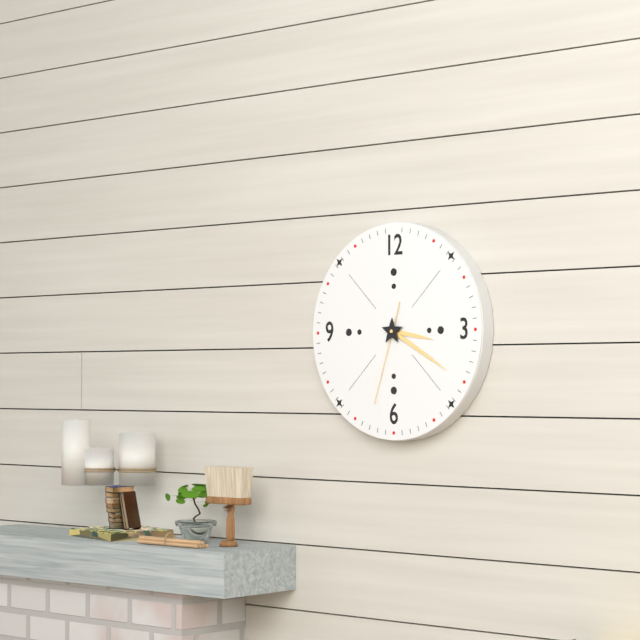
h=3 m=20 s=33
